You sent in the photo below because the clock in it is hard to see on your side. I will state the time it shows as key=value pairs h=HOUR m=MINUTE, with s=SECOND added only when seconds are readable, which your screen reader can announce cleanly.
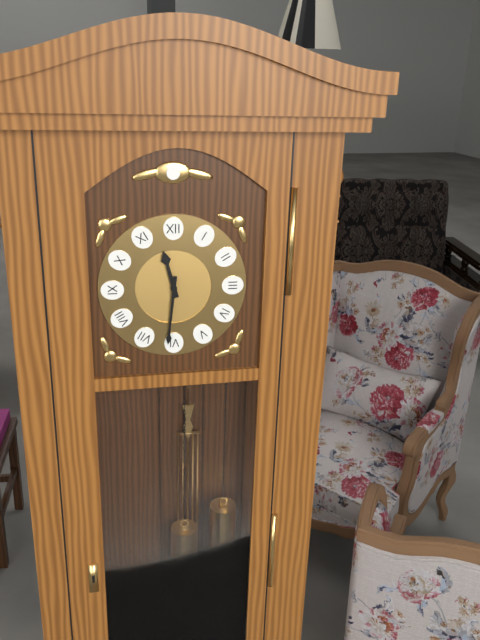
h=11 m=31
